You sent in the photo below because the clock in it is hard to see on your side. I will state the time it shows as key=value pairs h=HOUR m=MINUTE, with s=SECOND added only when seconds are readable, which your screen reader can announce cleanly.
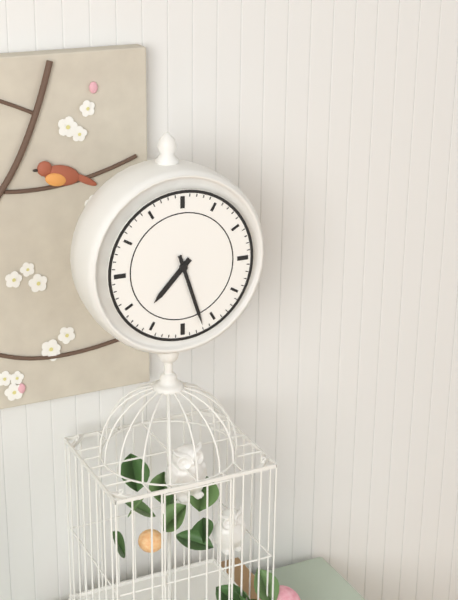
h=7 m=27
